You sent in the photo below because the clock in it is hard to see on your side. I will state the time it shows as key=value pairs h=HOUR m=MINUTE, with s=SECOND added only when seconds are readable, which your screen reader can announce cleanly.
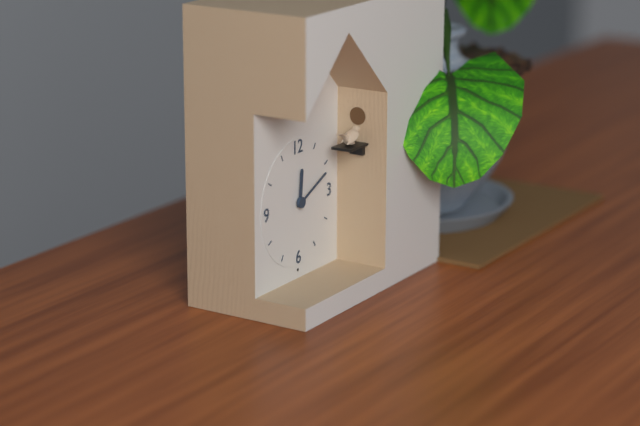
h=12 m=11
